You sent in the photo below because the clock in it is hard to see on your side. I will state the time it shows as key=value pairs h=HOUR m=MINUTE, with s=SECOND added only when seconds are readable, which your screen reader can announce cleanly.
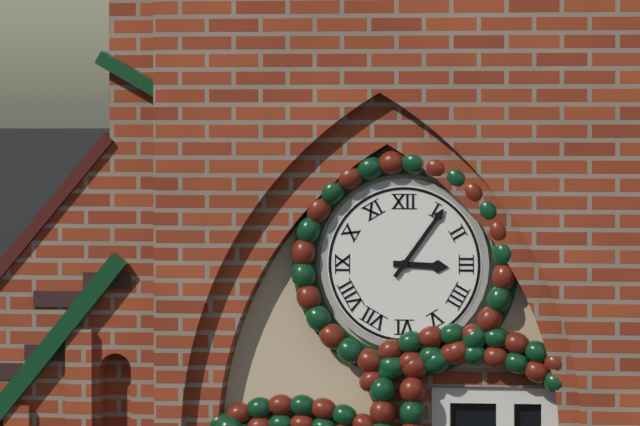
h=3 m=6
